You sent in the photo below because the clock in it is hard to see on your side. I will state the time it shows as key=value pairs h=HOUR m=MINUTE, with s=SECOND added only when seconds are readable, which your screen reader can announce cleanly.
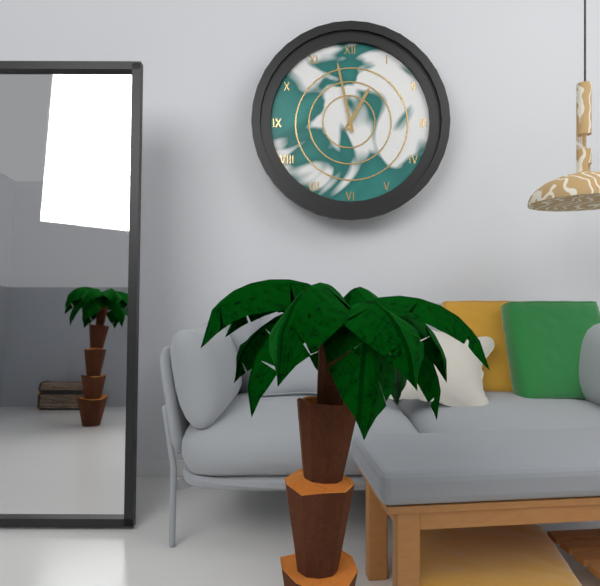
h=12 m=58
